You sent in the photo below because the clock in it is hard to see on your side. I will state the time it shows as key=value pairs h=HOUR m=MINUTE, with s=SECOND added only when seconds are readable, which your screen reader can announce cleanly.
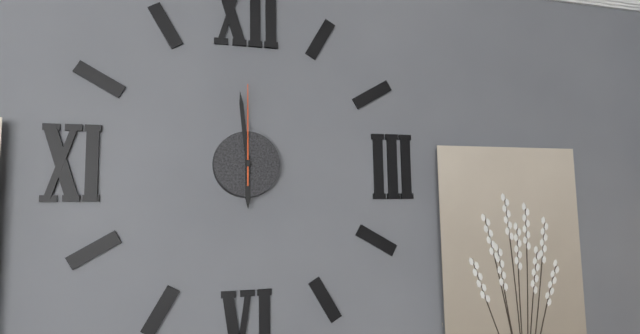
h=5 m=59 s=0
